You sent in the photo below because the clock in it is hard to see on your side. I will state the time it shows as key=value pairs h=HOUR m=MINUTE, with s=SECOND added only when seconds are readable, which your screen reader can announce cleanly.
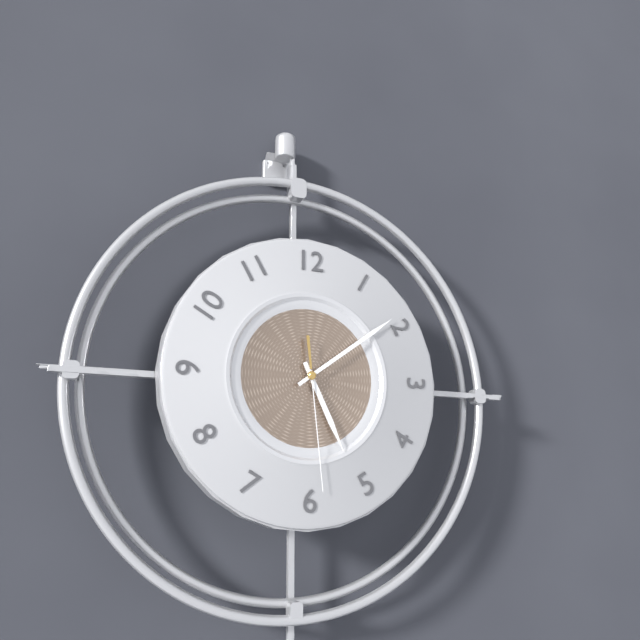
h=5 m=9 s=29
